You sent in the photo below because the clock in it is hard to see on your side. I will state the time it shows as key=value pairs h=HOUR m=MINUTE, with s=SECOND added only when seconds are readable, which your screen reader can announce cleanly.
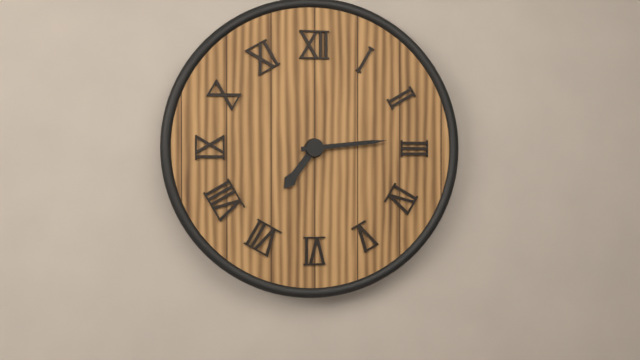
h=7 m=14
